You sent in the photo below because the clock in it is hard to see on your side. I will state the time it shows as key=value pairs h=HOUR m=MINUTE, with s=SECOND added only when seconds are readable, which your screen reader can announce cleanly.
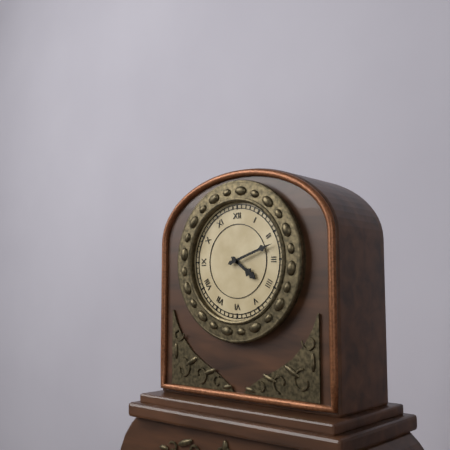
h=4 m=12
